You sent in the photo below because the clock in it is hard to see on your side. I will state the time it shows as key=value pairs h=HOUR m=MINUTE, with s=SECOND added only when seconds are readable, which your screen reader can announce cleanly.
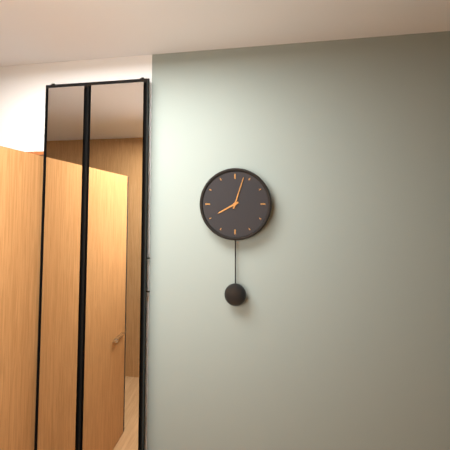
h=8 m=3
